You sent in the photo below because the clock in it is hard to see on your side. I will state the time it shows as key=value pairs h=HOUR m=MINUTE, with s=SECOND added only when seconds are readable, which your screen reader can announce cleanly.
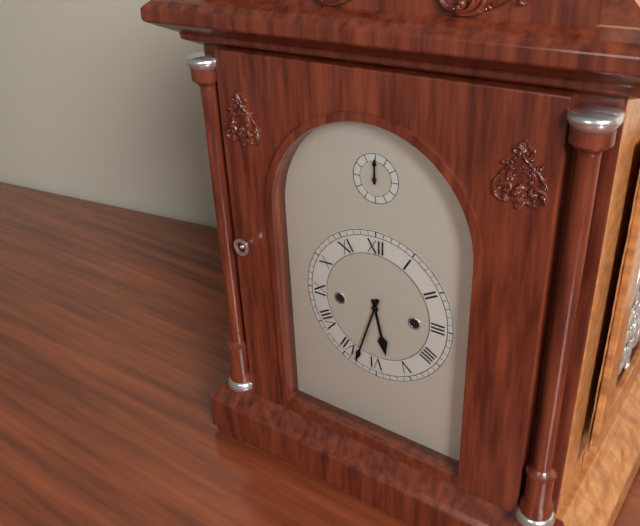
h=5 m=33
